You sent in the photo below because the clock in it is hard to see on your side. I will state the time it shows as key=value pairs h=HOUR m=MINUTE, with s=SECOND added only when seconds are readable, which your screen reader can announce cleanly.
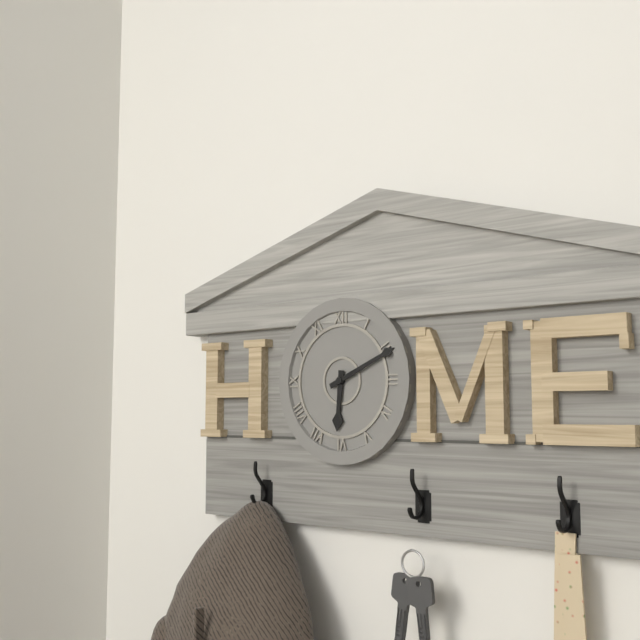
h=6 m=11
